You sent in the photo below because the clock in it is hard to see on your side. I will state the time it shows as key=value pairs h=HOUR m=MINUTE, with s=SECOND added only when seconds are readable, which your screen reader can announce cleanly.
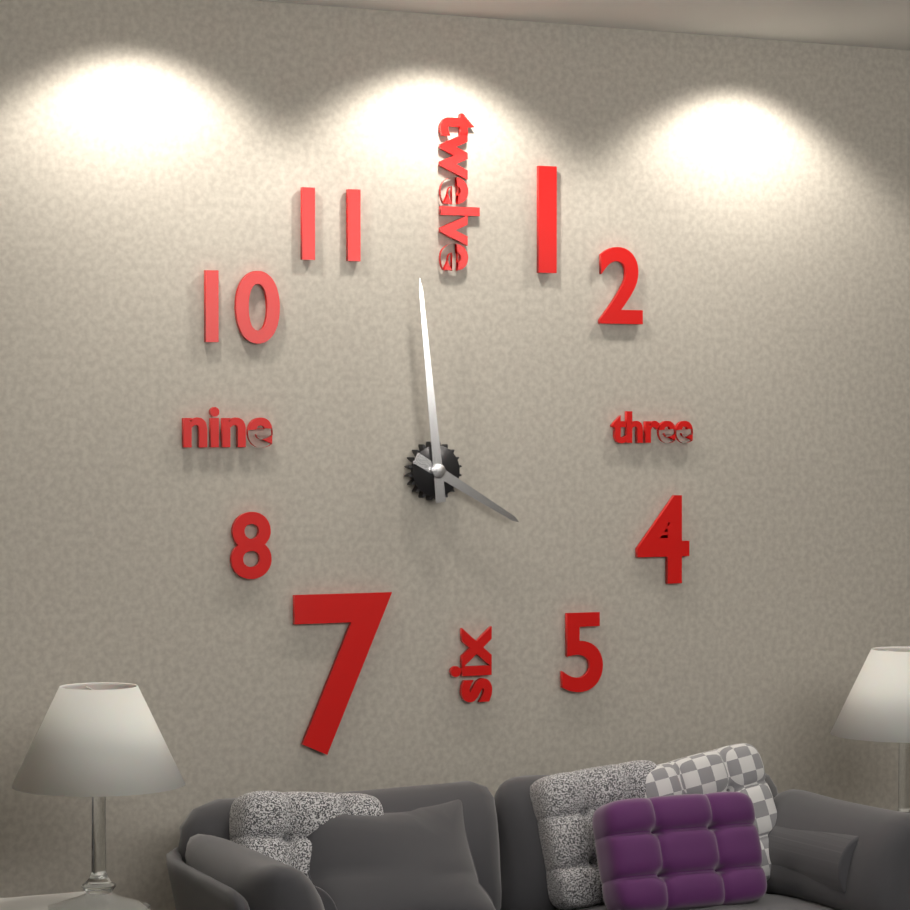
h=3 m=59
